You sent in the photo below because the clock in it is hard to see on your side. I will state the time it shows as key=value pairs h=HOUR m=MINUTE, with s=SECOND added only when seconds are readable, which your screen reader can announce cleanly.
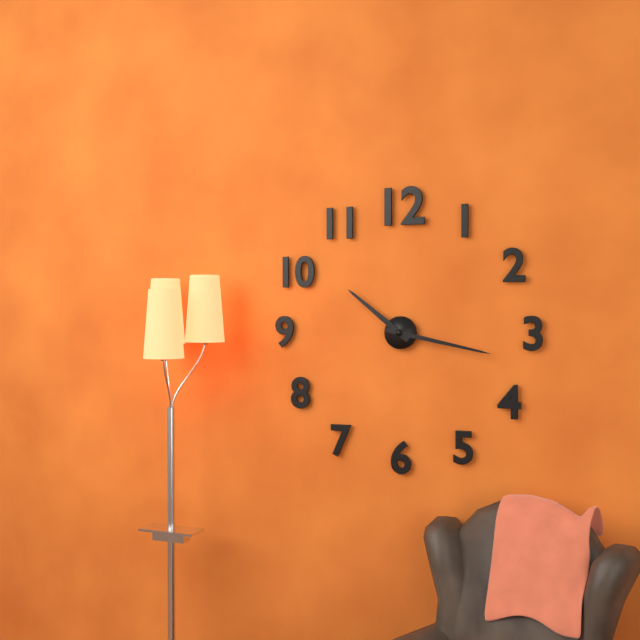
h=10 m=17
